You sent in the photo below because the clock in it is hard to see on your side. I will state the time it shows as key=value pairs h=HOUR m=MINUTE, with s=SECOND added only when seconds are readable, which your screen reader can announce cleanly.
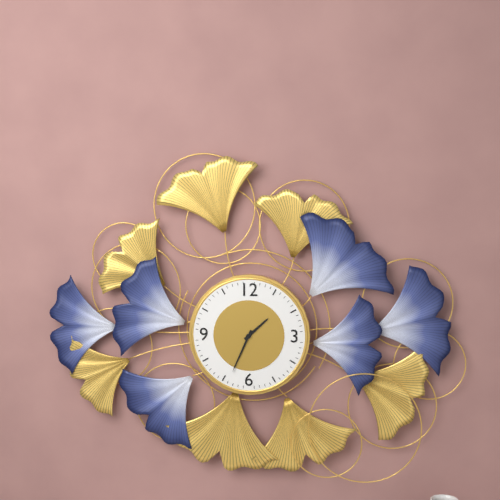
h=1 m=34
